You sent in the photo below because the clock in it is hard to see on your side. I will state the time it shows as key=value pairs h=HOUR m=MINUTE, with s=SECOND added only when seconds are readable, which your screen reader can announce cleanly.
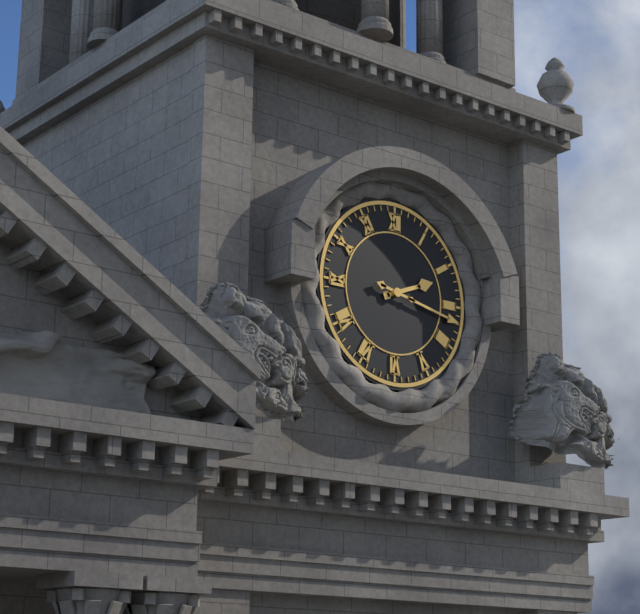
h=2 m=17
